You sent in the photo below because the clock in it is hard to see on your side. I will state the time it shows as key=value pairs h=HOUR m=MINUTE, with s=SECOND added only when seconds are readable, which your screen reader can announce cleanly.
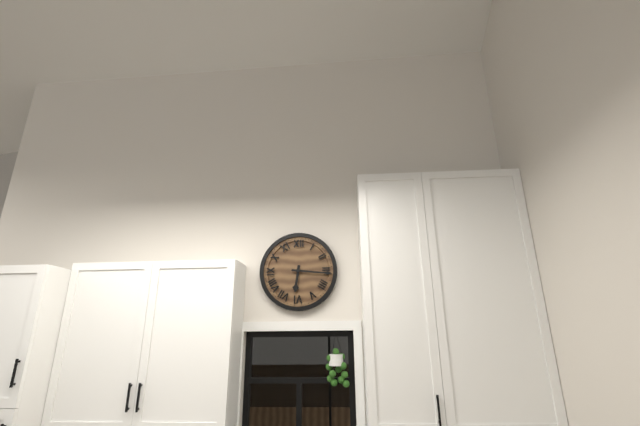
h=6 m=16
